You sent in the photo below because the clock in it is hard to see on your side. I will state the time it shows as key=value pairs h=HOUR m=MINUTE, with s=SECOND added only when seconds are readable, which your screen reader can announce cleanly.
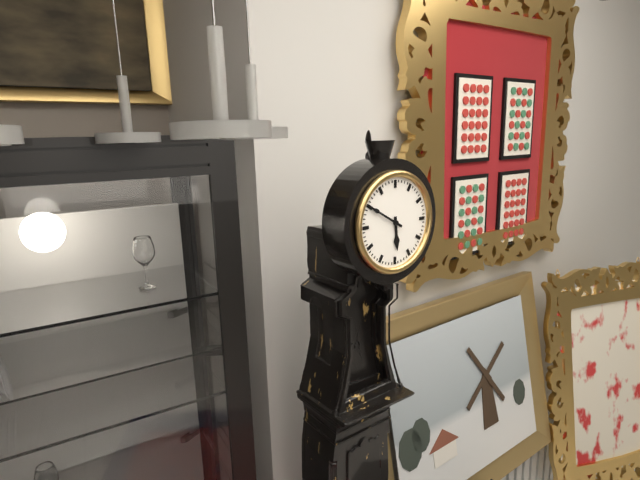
h=5 m=50
